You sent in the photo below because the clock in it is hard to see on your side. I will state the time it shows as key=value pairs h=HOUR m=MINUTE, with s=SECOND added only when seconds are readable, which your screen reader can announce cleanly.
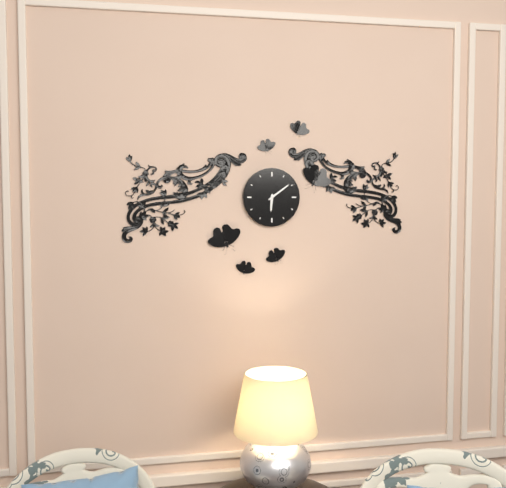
h=6 m=9
